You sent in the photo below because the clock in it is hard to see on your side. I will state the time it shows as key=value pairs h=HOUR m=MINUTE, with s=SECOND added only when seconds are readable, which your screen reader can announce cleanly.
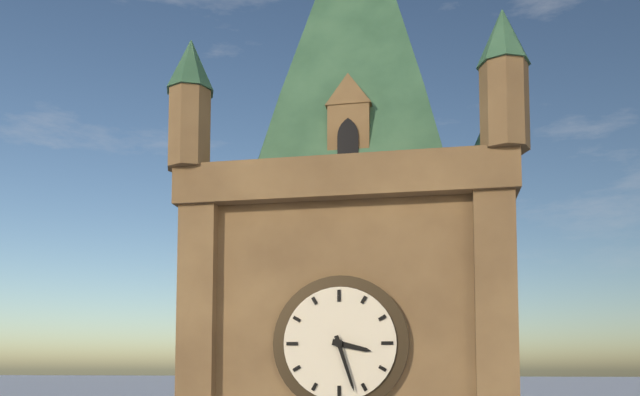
h=3 m=27
